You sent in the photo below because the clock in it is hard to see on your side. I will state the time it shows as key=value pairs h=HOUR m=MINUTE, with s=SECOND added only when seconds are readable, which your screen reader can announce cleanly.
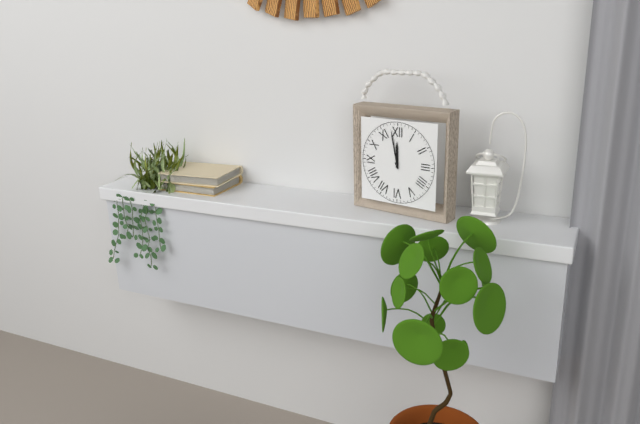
h=11 m=58
